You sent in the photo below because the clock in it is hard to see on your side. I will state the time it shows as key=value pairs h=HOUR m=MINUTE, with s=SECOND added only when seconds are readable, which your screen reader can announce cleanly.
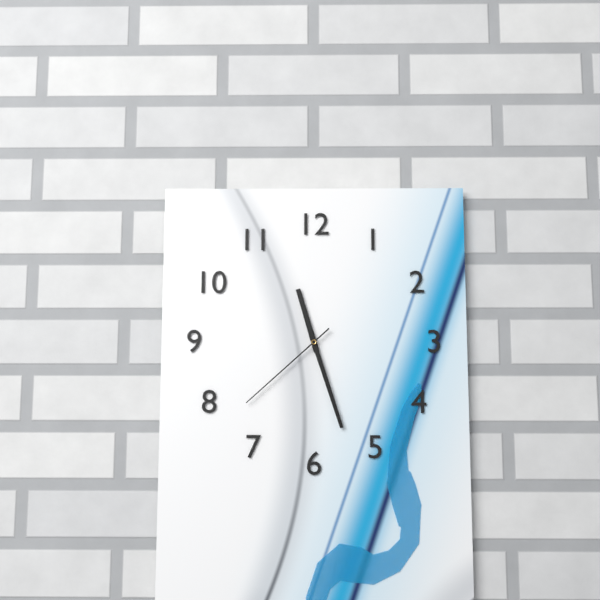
h=11 m=27 s=38
